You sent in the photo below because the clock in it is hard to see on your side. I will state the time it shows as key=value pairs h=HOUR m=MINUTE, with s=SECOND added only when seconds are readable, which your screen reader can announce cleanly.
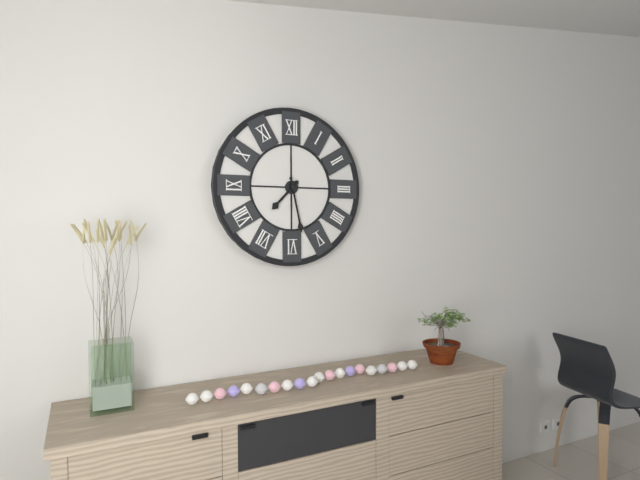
h=7 m=28
